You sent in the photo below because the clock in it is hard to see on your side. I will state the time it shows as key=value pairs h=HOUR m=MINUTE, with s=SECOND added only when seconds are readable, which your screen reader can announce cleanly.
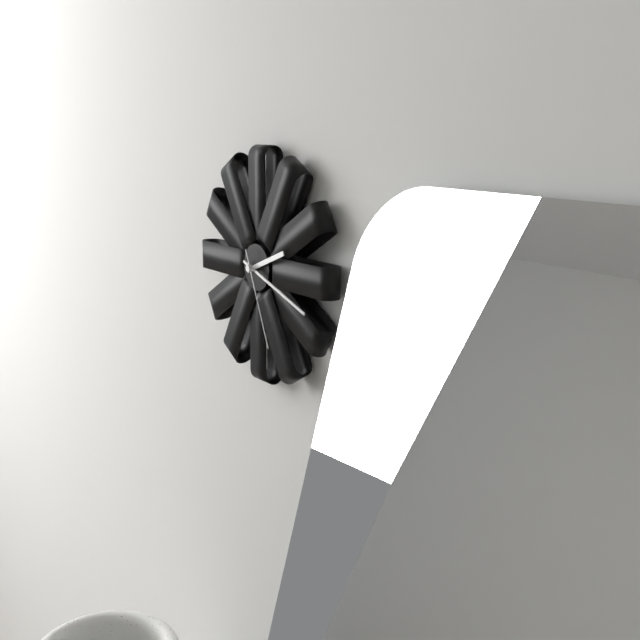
h=2 m=18 s=26
